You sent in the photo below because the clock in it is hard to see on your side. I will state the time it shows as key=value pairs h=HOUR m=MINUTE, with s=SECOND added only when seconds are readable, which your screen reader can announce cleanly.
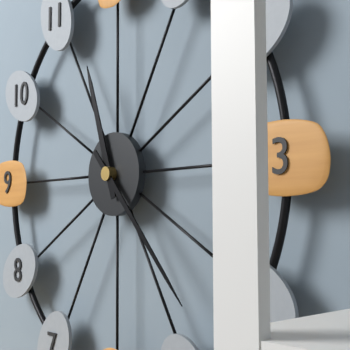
h=11 m=23
